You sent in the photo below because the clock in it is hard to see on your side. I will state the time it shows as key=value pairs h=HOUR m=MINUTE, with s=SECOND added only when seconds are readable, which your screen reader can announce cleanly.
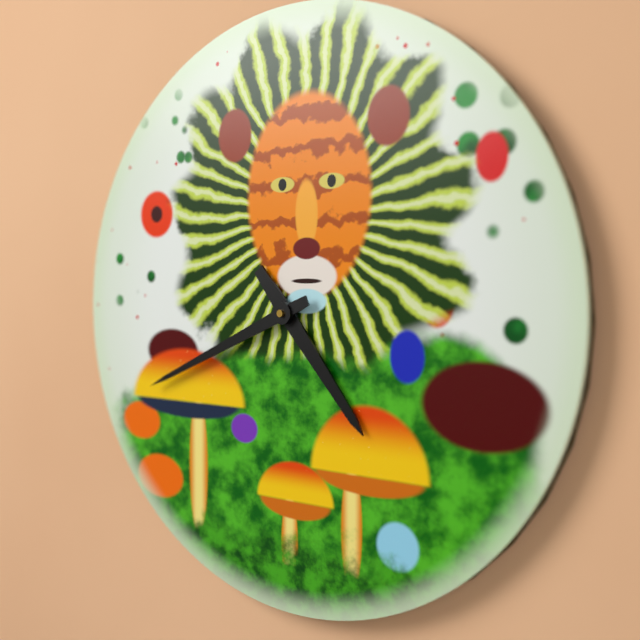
h=4 m=41
